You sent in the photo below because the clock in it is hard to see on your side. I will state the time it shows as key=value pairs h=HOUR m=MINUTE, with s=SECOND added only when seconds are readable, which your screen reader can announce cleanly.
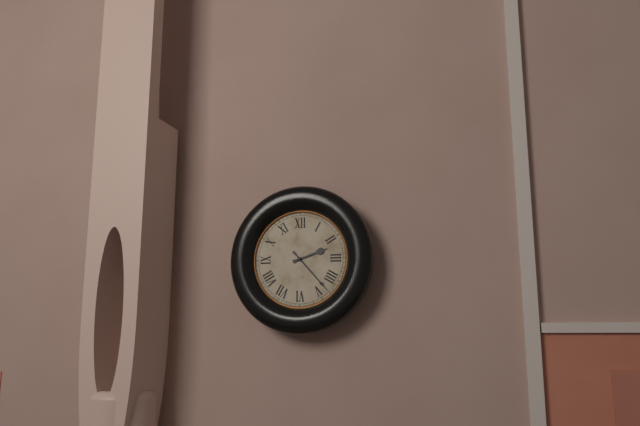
h=2 m=23
